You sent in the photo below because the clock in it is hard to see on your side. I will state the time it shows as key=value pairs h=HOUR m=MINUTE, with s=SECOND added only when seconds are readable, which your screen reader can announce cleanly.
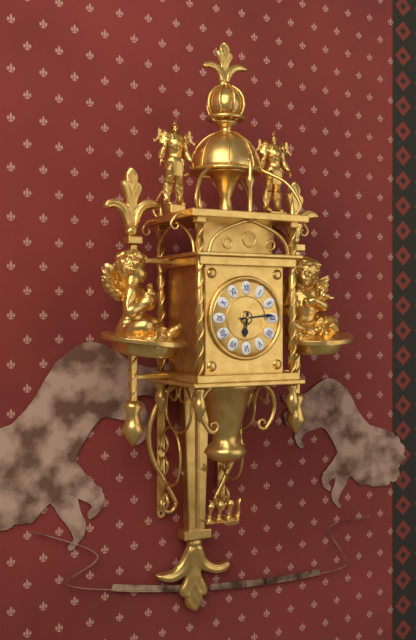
h=6 m=14
